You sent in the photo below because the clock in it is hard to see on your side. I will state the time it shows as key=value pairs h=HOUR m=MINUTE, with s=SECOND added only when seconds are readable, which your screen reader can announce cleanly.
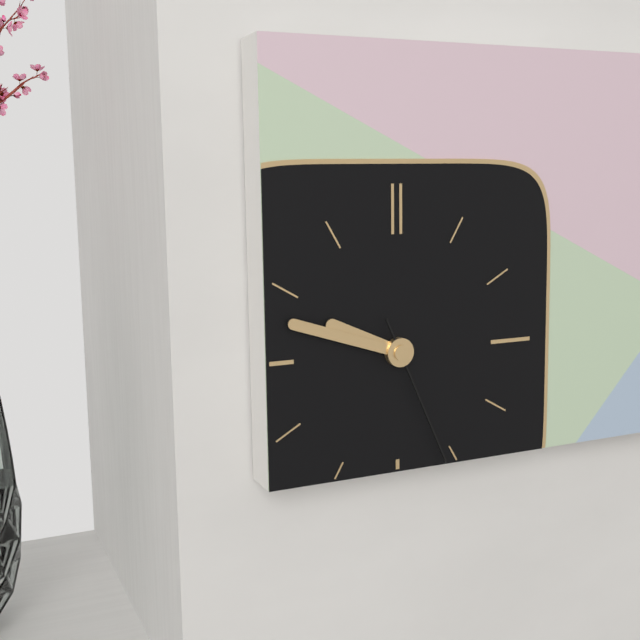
h=9 m=48 s=26
